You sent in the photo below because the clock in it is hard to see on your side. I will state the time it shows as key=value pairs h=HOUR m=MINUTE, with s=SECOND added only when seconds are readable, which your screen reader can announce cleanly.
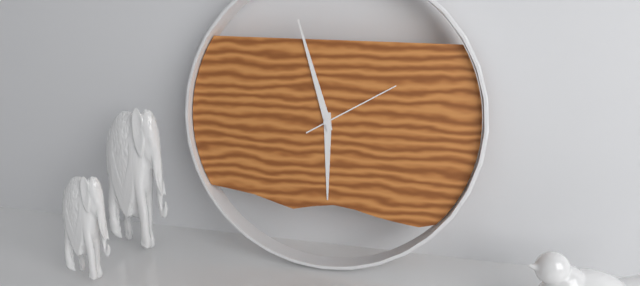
h=5 m=57 s=10
